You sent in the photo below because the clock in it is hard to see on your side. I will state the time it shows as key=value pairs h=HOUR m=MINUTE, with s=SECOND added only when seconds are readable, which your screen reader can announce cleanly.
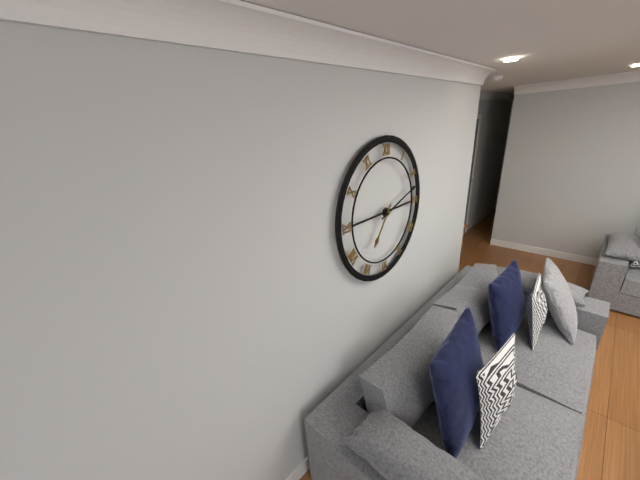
h=7 m=12
